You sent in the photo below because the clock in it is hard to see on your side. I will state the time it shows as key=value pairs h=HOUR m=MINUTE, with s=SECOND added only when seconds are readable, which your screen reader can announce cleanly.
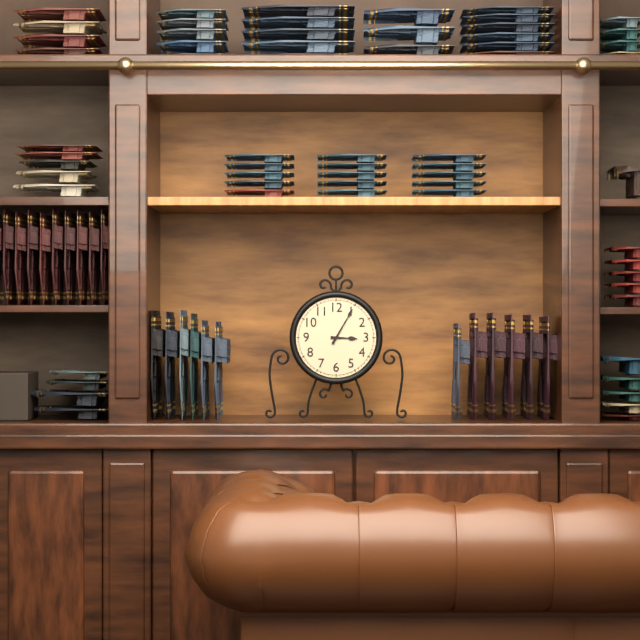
h=3 m=5
